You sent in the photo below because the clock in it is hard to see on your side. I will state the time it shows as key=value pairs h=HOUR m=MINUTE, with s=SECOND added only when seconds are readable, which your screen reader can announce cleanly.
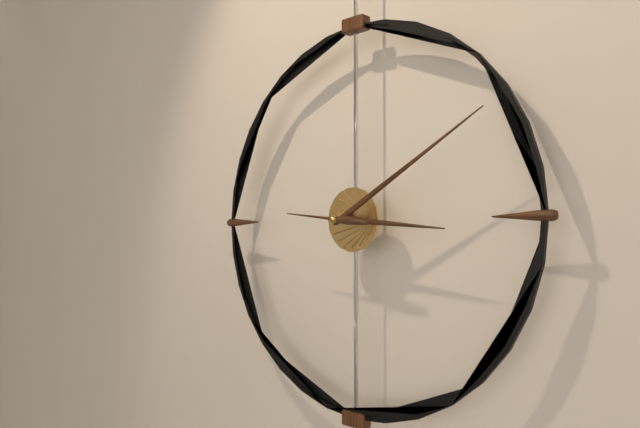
h=3 m=10 s=46
